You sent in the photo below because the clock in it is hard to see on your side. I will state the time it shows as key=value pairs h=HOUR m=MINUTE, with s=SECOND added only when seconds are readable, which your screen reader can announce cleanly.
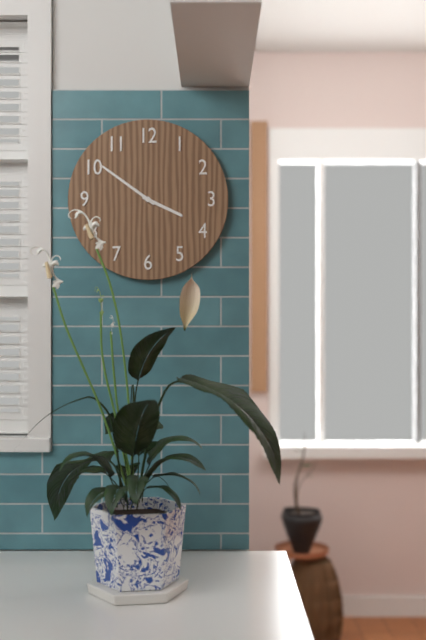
h=3 m=51
